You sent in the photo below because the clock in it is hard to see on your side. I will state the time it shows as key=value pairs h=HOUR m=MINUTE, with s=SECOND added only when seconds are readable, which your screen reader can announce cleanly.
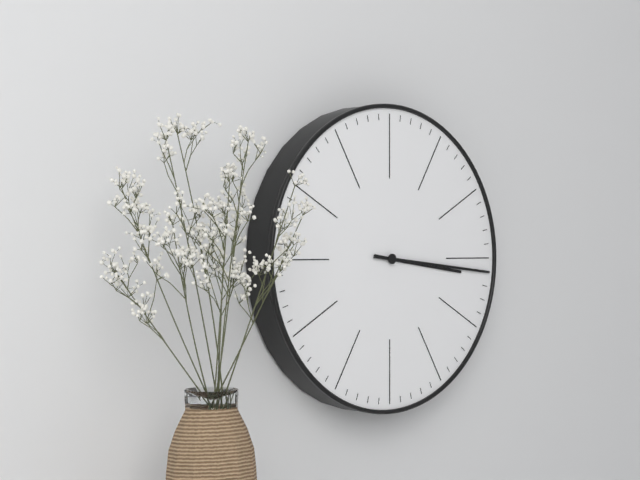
h=3 m=16
